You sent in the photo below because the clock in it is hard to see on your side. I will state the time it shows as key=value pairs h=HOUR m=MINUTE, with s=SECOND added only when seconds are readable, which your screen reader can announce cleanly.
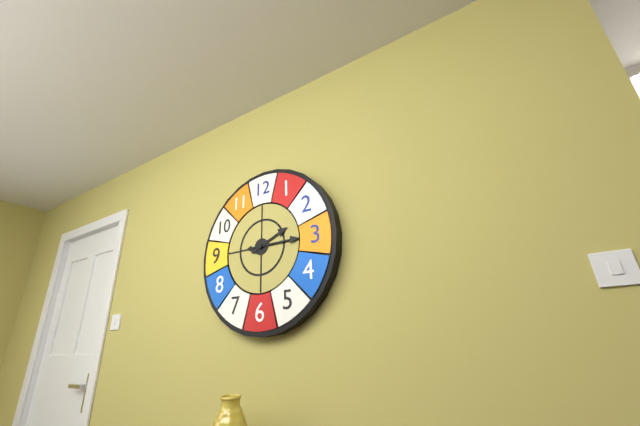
h=2 m=15
